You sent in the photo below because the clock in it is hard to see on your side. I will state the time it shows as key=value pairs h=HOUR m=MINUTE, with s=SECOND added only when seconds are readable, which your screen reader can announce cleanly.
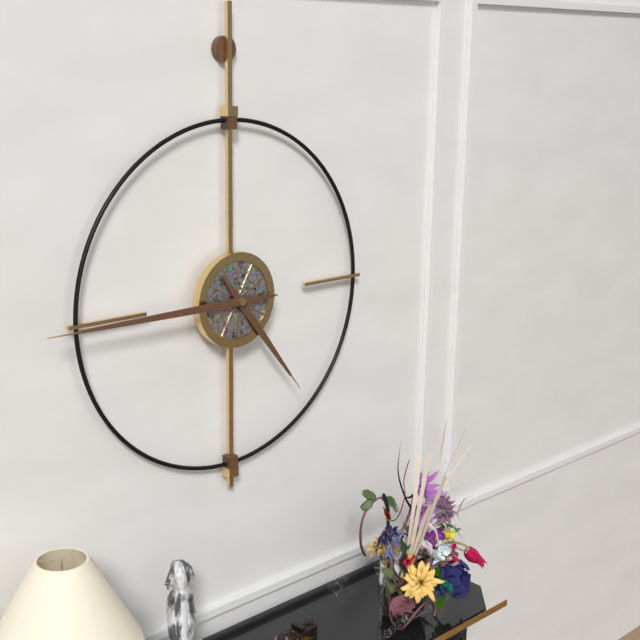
h=4 m=45
